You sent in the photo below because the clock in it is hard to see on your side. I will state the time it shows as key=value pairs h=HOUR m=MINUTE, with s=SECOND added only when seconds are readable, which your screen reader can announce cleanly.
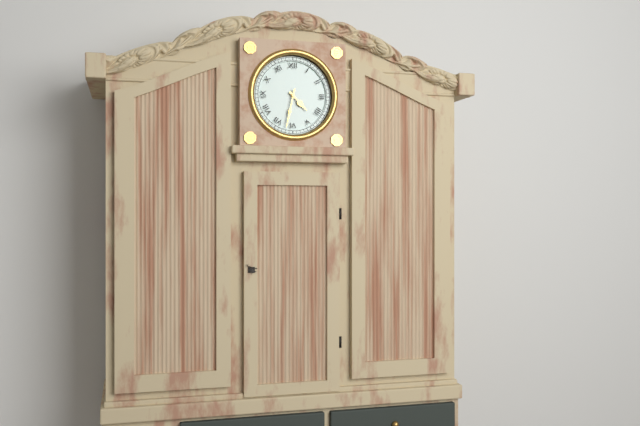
h=4 m=32
